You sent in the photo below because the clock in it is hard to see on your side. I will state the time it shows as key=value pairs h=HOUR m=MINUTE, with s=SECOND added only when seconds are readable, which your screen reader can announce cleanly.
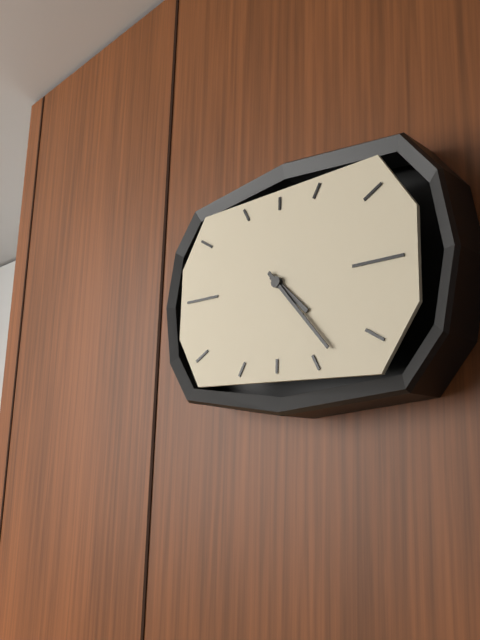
h=4 m=23
